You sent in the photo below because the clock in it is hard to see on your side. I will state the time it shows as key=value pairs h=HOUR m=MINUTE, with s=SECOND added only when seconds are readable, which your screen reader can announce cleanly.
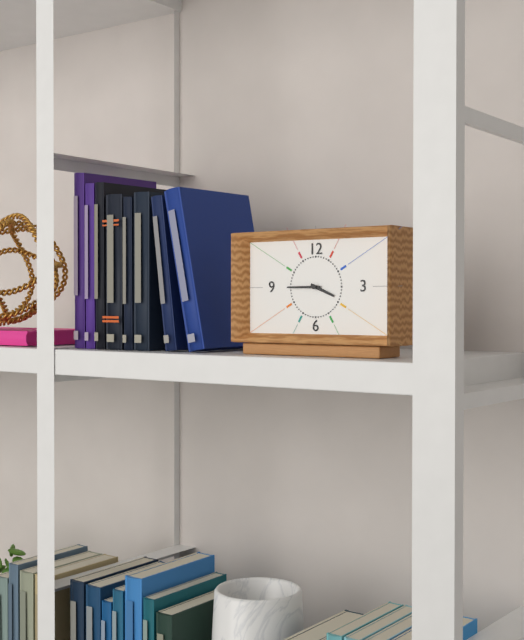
h=3 m=45
